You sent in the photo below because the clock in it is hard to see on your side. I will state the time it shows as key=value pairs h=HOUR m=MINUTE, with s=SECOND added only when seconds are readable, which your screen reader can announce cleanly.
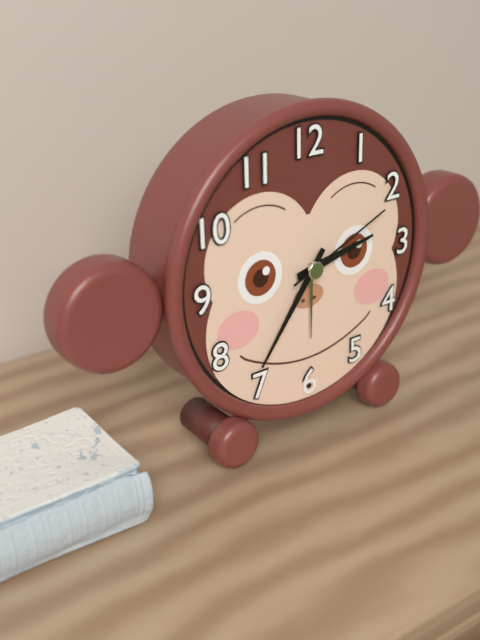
h=2 m=36 s=11
